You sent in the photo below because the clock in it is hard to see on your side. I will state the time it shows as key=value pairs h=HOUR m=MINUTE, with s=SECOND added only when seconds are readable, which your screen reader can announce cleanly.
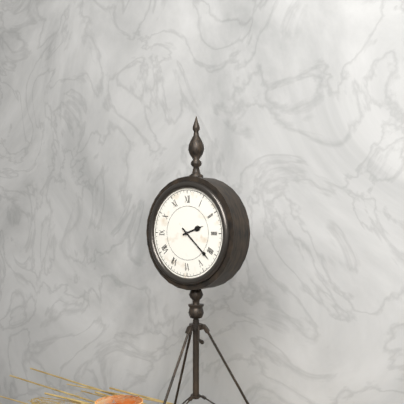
h=2 m=22
